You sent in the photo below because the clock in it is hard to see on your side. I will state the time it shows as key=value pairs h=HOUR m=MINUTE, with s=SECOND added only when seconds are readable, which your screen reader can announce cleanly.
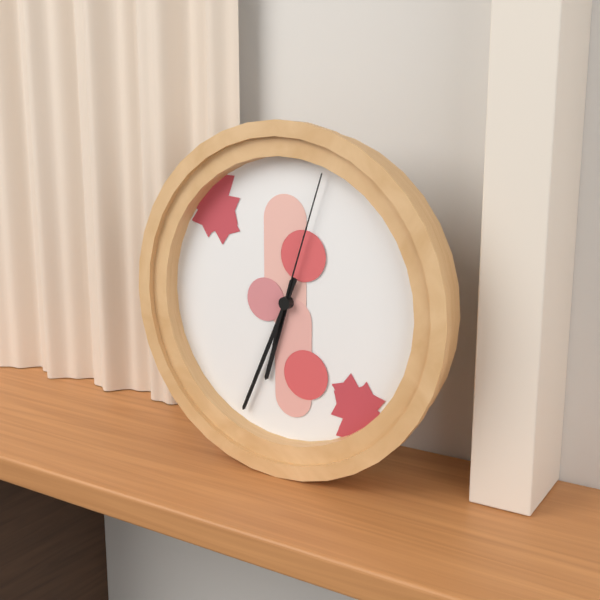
h=6 m=34 s=3
